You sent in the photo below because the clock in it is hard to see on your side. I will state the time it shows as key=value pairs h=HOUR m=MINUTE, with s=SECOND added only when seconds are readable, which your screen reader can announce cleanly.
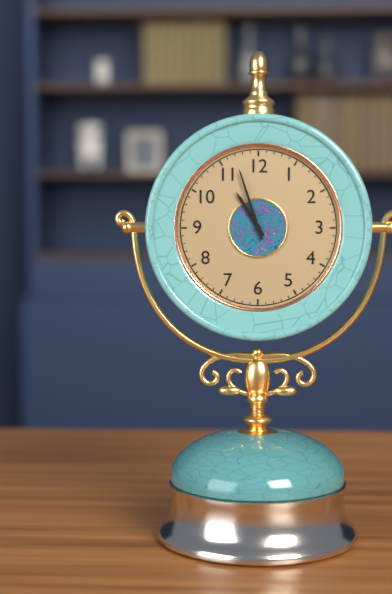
h=10 m=57
